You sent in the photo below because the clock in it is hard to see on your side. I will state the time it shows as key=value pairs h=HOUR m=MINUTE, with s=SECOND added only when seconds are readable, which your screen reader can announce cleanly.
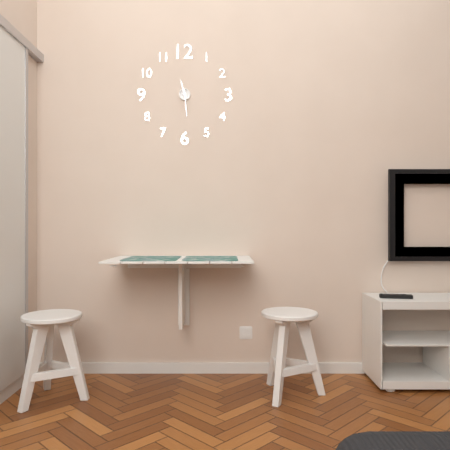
h=11 m=29
